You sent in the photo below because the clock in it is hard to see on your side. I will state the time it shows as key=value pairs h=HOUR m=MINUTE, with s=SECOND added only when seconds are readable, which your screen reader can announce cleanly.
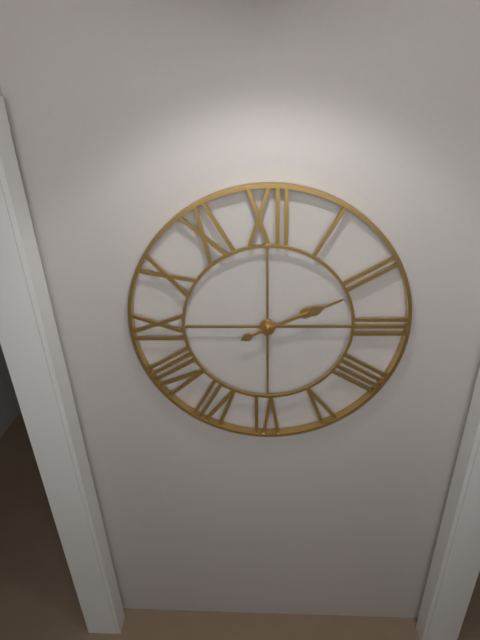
h=2 m=11
